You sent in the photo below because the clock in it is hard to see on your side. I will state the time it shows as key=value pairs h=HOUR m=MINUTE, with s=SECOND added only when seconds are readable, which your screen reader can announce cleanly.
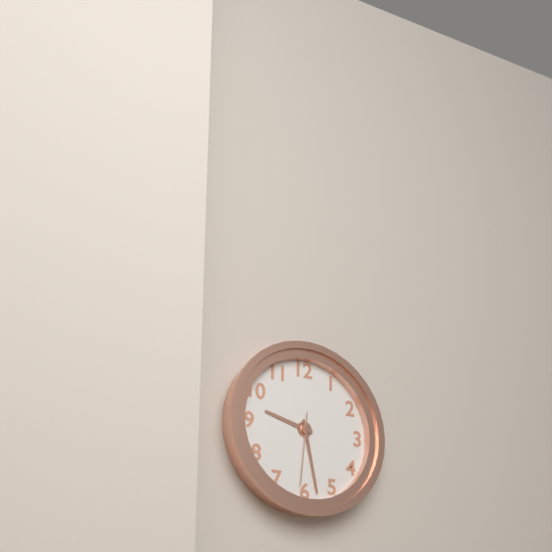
h=9 m=28 s=31
